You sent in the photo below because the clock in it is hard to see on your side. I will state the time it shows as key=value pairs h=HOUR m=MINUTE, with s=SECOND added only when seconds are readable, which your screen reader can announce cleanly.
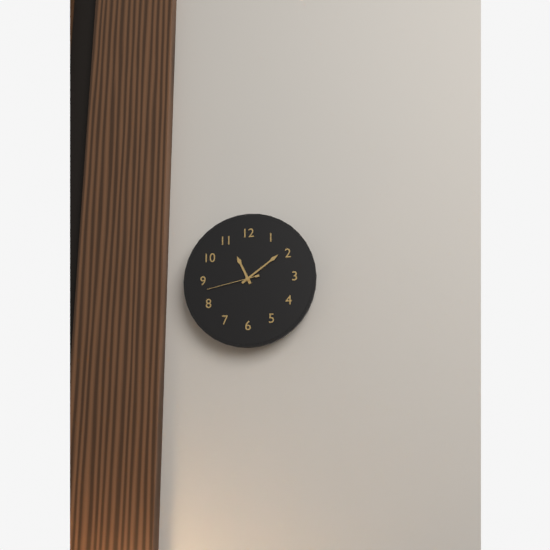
h=11 m=9 s=43
